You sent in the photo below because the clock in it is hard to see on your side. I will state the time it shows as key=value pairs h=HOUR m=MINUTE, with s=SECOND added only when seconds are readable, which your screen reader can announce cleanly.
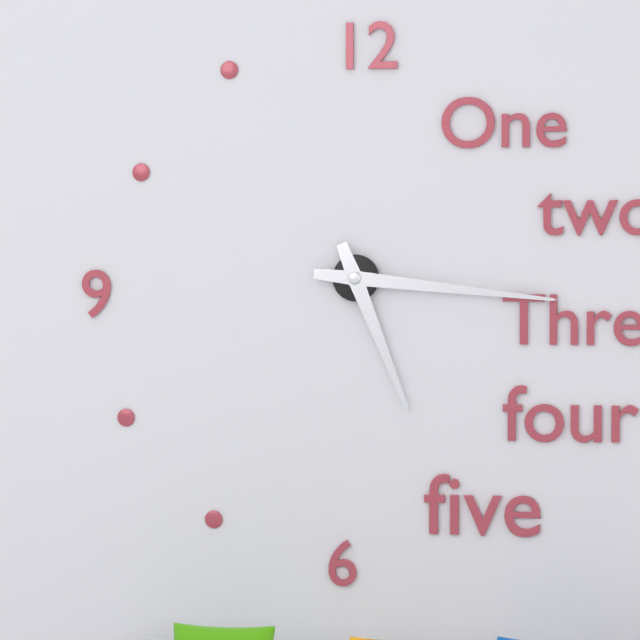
h=5 m=16
